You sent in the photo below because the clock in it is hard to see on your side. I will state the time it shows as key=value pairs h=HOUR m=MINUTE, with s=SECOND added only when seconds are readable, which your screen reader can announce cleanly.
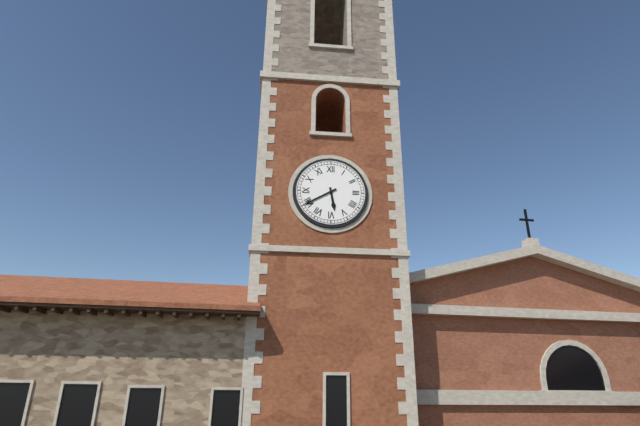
h=5 m=40
